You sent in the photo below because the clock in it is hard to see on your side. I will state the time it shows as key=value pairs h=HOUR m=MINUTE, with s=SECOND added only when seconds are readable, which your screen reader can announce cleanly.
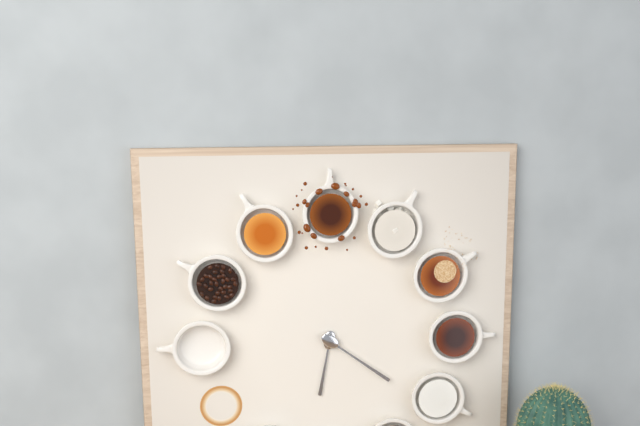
h=6 m=21
